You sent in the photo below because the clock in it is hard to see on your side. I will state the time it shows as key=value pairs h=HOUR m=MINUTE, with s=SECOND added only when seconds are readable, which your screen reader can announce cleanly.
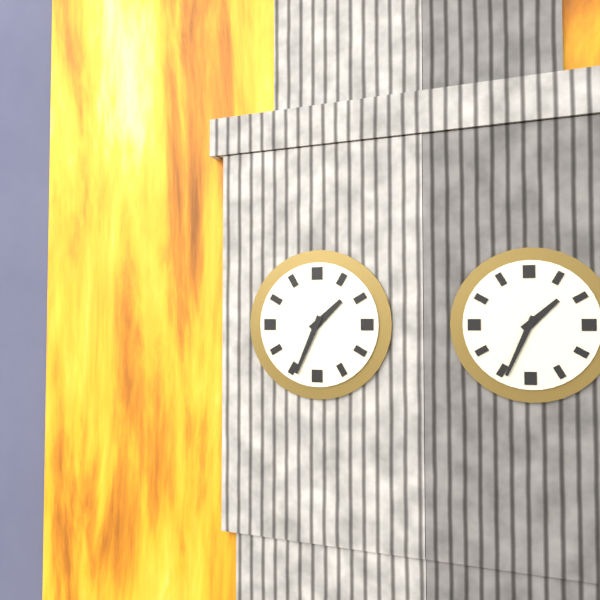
h=1 m=34
